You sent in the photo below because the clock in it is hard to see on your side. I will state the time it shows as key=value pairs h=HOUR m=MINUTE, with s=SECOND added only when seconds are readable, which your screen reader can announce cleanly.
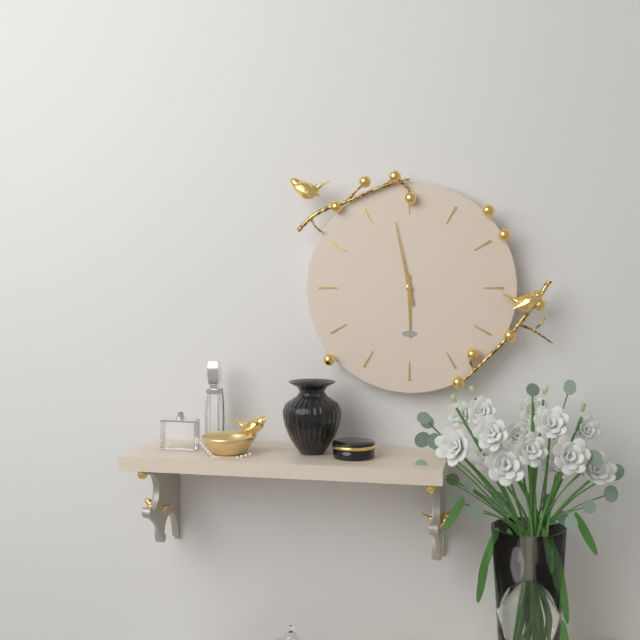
h=5 m=58
